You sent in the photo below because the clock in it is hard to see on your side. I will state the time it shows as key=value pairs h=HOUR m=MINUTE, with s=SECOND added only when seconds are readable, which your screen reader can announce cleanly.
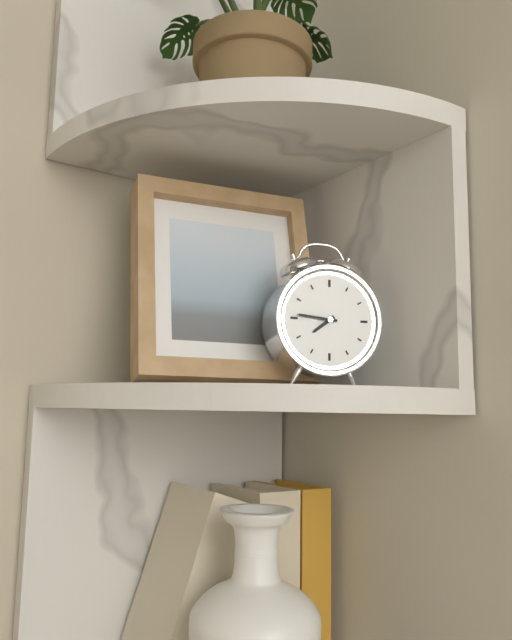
h=7 m=46
